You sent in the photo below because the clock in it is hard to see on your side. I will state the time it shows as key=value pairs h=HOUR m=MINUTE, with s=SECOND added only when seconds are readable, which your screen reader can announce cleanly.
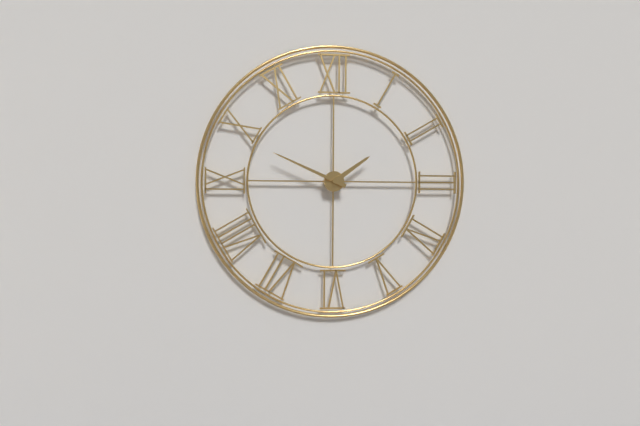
h=1 m=49
